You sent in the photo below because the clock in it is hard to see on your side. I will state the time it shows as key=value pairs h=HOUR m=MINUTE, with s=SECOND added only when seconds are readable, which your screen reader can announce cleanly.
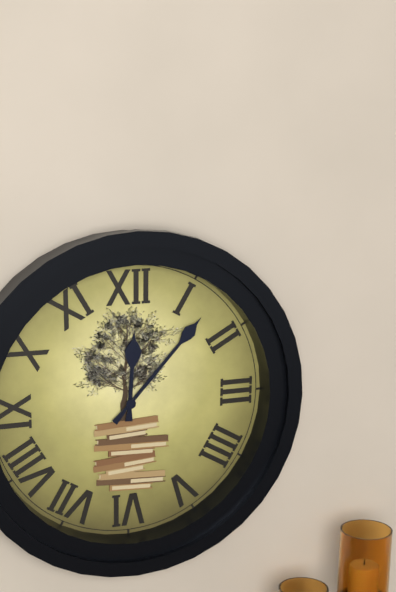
h=12 m=7
